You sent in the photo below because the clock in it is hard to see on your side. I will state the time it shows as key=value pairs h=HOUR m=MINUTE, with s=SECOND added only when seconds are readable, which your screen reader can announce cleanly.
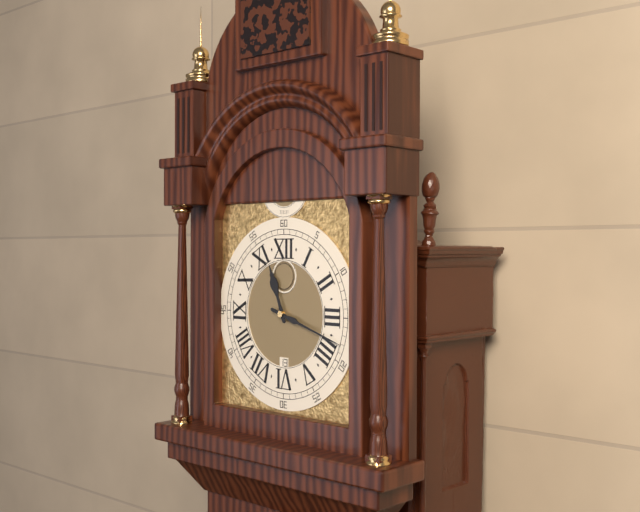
h=11 m=18
